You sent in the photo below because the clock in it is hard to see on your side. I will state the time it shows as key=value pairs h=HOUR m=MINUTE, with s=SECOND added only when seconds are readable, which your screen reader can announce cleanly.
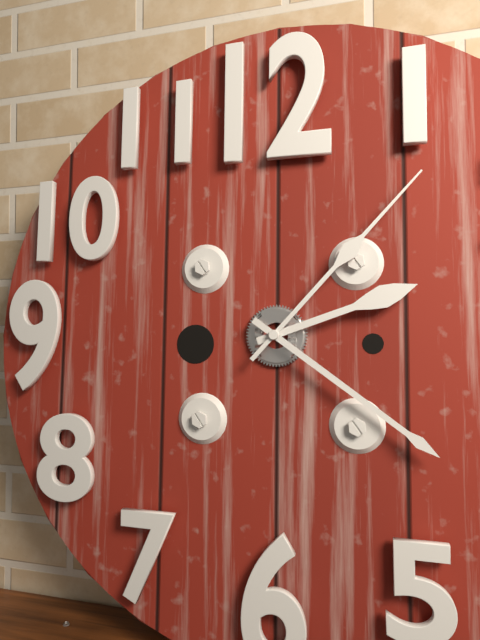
h=2 m=21 s=7
